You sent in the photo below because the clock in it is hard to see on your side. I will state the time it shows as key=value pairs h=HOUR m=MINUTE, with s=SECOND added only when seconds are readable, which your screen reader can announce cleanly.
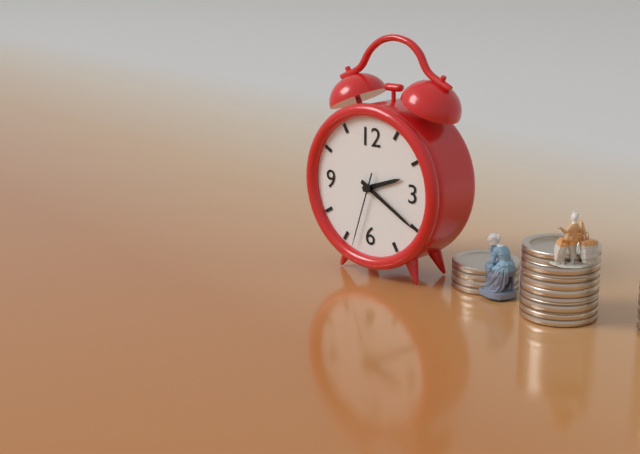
h=2 m=20 s=33
